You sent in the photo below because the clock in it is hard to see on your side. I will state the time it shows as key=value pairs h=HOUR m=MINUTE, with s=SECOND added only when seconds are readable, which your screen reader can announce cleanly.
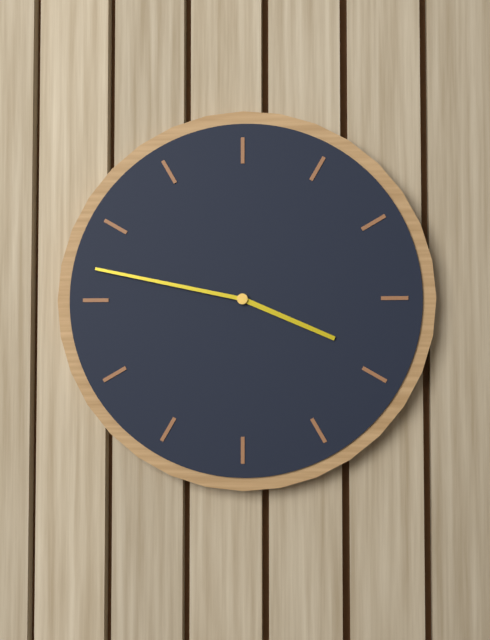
h=3 m=47
